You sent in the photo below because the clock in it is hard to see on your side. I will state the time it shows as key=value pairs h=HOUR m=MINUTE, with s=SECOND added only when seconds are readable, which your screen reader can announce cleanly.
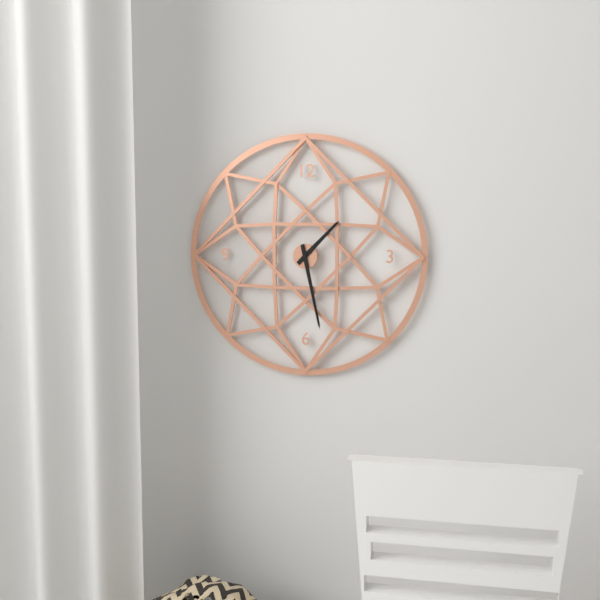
h=1 m=28
